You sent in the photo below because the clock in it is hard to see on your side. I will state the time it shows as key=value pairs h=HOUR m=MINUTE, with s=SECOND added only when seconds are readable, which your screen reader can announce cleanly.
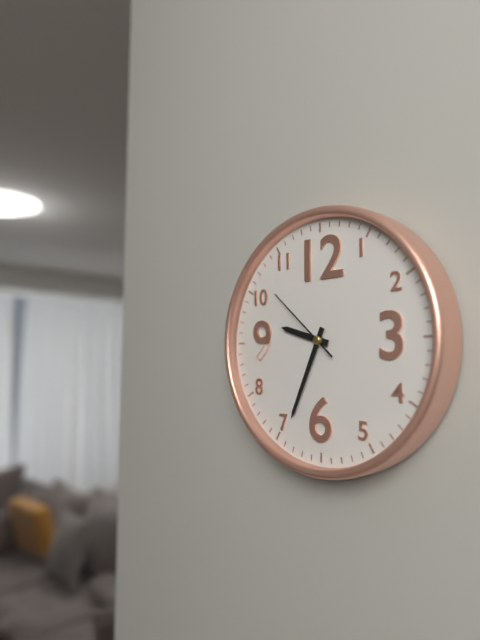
h=9 m=34 s=52
